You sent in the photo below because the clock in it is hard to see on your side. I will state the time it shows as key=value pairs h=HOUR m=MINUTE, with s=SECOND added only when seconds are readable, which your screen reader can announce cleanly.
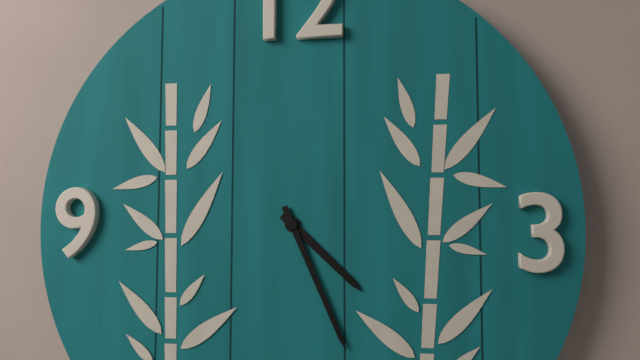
h=4 m=26
